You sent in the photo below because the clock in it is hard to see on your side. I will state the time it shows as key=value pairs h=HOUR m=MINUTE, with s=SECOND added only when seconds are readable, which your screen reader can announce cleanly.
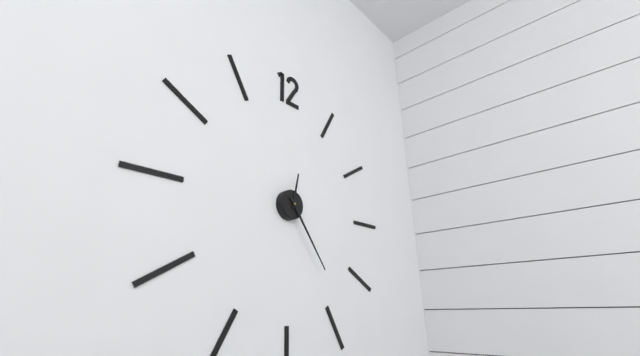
h=12 m=24
